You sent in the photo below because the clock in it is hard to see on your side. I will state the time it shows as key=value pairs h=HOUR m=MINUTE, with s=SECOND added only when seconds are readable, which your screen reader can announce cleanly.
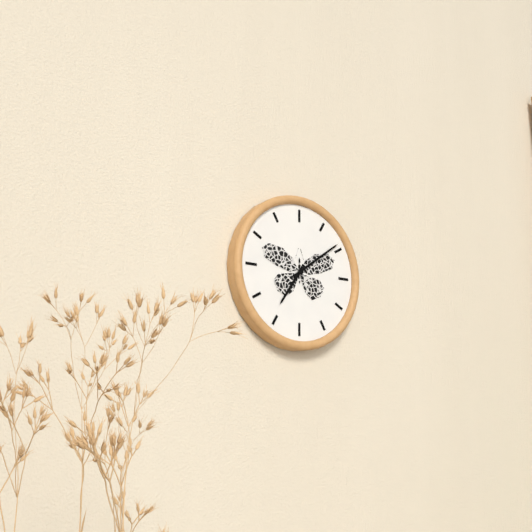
h=7 m=9
